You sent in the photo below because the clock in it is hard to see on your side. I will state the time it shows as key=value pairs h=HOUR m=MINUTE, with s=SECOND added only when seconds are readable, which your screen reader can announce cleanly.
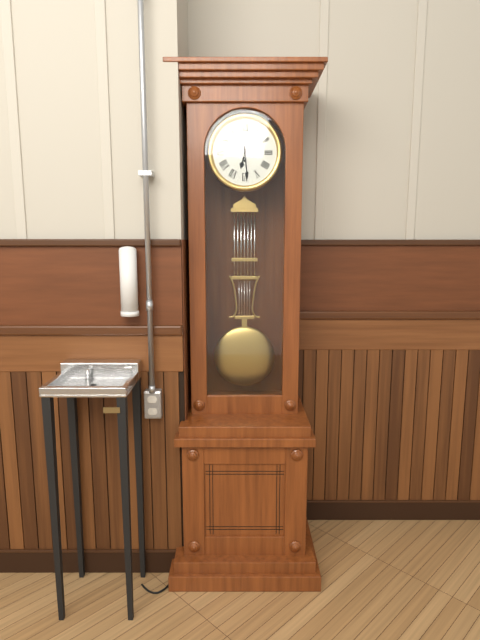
h=6 m=29
